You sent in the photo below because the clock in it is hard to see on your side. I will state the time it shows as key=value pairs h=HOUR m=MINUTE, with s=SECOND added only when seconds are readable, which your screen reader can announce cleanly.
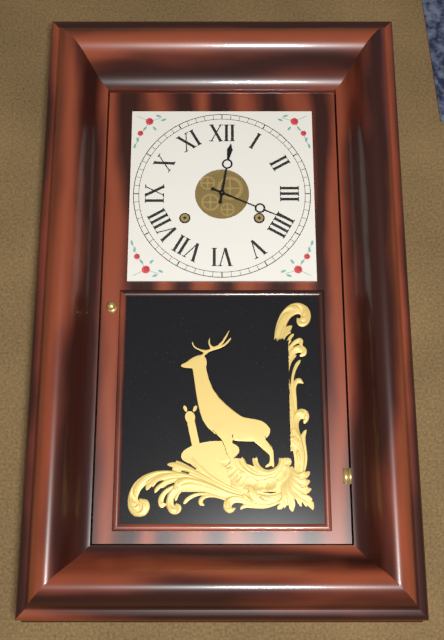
h=12 m=19
